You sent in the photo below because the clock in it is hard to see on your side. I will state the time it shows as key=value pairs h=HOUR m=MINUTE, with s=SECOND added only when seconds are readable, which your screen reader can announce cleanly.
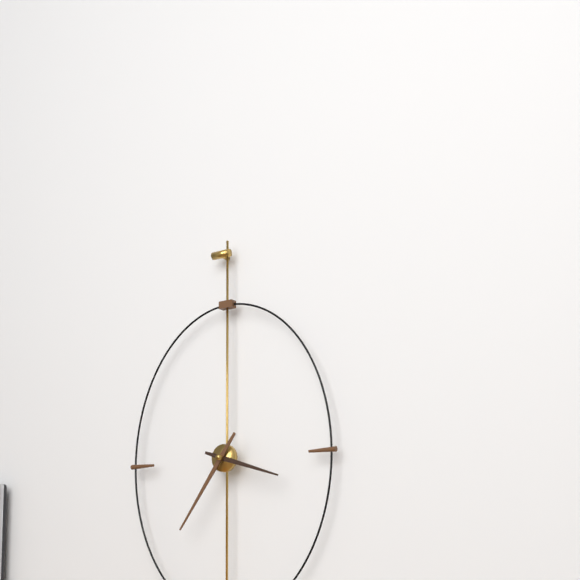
h=3 m=36
